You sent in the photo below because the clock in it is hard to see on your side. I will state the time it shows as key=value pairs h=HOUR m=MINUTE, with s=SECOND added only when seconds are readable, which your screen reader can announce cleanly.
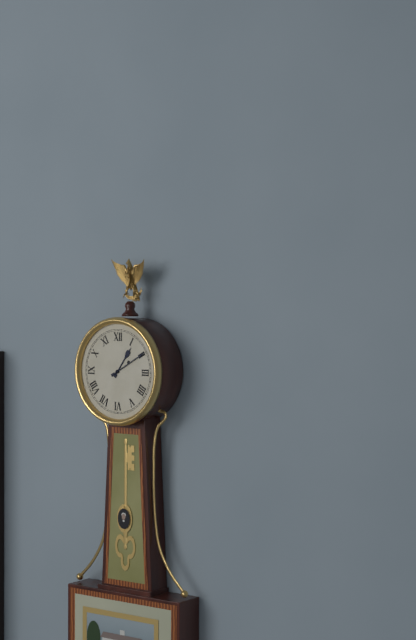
h=1 m=10
